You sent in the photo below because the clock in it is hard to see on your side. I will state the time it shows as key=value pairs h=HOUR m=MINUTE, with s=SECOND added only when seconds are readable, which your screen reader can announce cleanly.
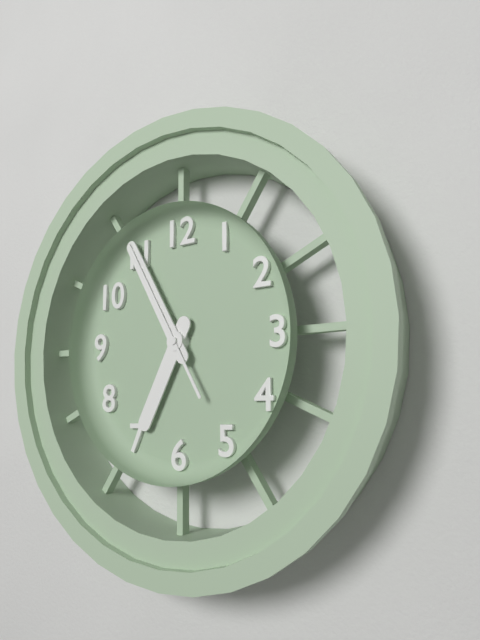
h=6 m=55 s=55
